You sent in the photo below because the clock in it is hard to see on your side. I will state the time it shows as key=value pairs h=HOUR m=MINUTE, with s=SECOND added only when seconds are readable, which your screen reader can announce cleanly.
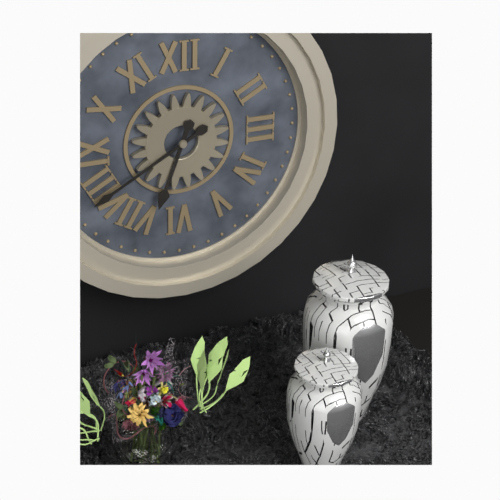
h=6 m=40
